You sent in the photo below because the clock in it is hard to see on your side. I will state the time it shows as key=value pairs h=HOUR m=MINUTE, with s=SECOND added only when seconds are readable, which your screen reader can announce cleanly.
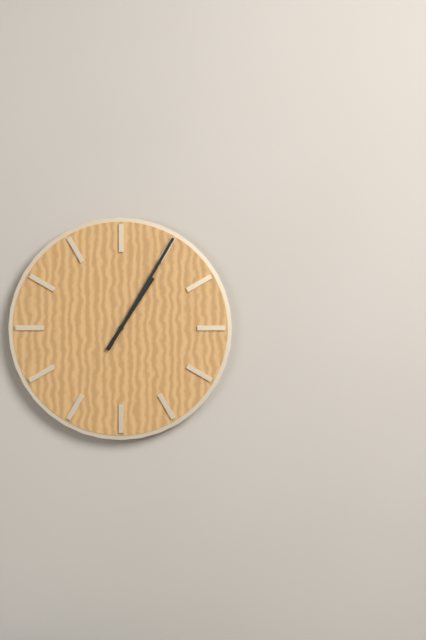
h=1 m=5
